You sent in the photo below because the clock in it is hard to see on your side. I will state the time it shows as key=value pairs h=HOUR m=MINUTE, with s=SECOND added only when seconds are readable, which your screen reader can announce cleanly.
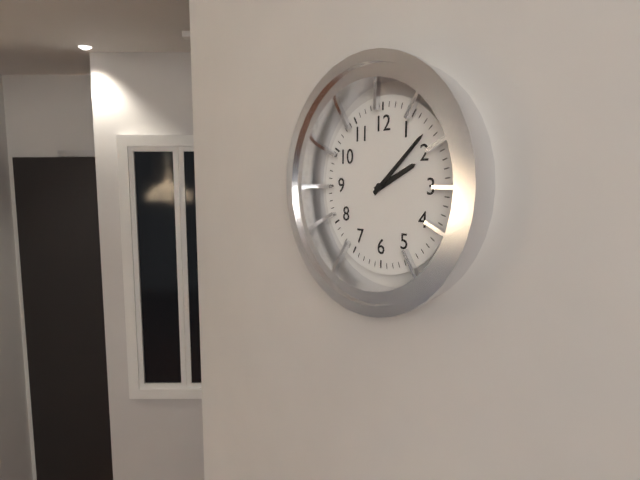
h=2 m=8
